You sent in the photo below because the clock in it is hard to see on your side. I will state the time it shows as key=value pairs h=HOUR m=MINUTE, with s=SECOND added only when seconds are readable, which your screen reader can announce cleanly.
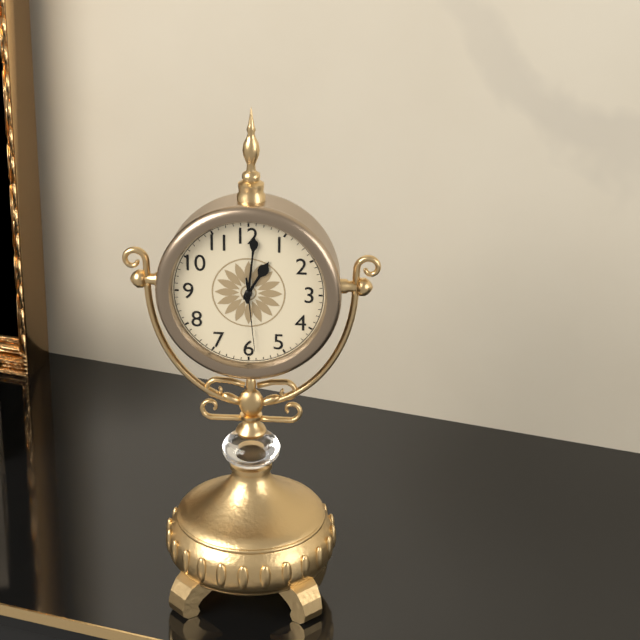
h=1 m=1 s=29
